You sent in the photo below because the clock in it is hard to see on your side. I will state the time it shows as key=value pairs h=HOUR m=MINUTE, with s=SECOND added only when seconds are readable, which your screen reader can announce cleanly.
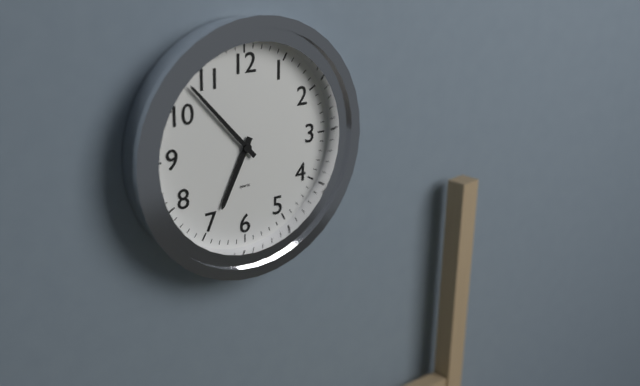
h=6 m=53
